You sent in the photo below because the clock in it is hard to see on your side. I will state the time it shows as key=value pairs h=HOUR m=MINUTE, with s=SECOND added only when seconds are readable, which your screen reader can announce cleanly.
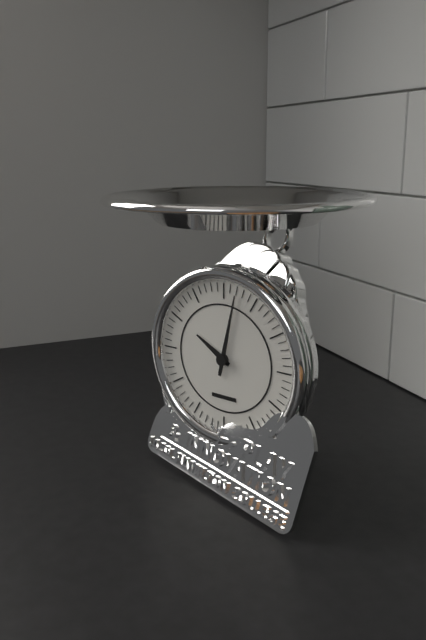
h=10 m=2
